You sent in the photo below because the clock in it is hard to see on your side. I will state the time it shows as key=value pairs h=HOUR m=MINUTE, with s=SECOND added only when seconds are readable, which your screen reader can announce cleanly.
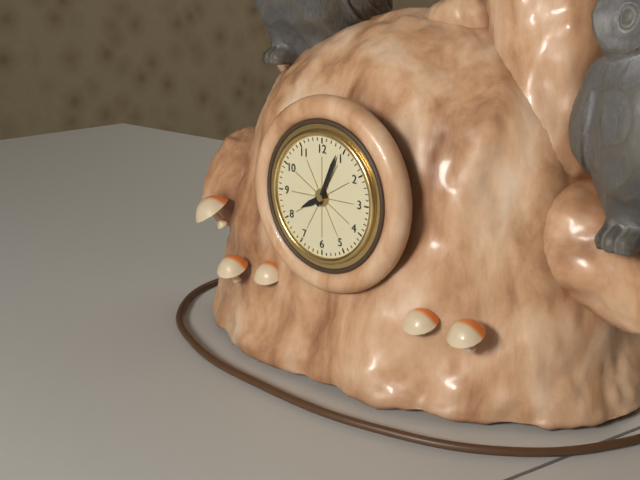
h=8 m=4
